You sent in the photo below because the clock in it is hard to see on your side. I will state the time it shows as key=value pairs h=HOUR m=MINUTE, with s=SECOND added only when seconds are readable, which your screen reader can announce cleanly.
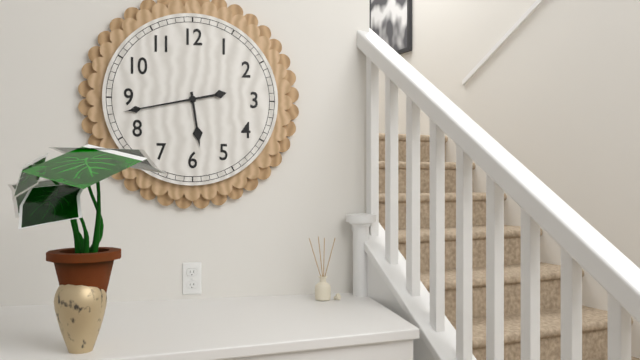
h=5 m=43
